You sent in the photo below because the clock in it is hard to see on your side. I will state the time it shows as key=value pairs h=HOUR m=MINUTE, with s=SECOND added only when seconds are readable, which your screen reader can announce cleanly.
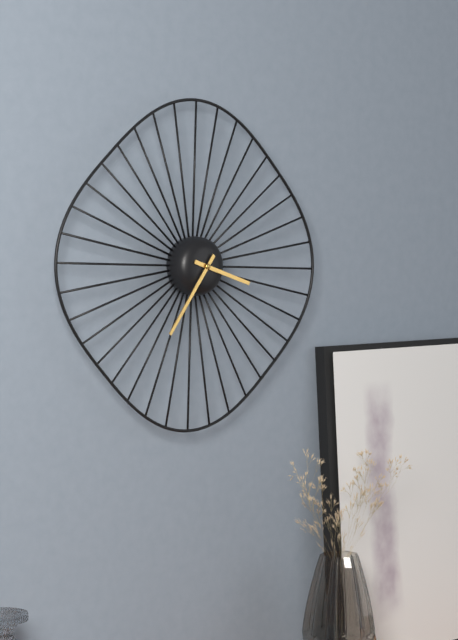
h=3 m=36
